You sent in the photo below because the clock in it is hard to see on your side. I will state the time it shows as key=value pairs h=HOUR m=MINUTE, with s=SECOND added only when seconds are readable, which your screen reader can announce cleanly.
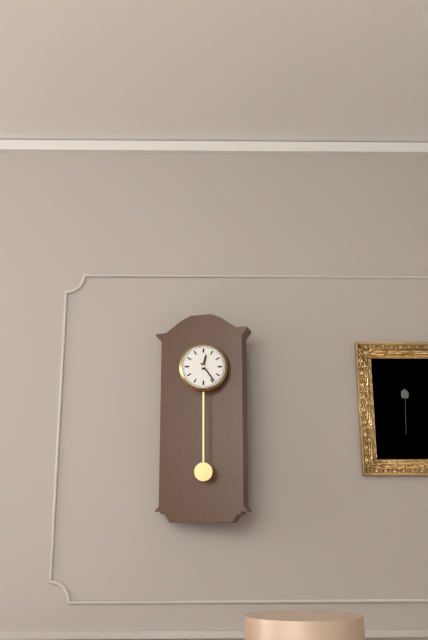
h=12 m=24
